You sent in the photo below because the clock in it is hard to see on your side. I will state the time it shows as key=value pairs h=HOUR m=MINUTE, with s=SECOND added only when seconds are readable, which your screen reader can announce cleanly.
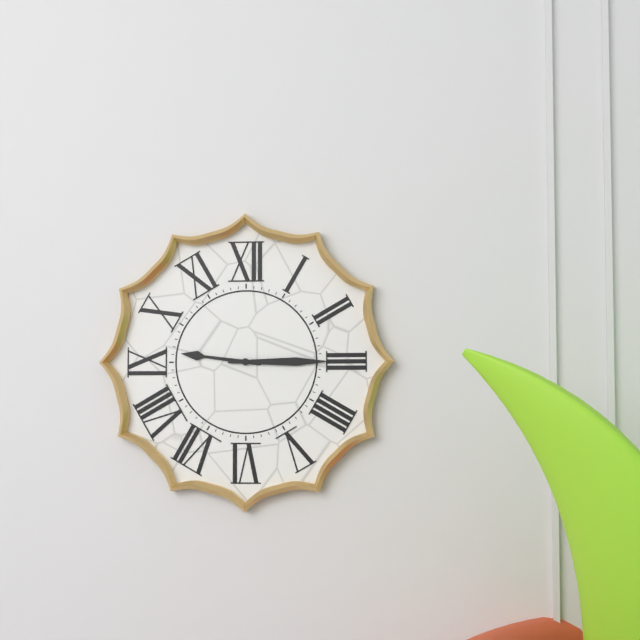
h=9 m=15
